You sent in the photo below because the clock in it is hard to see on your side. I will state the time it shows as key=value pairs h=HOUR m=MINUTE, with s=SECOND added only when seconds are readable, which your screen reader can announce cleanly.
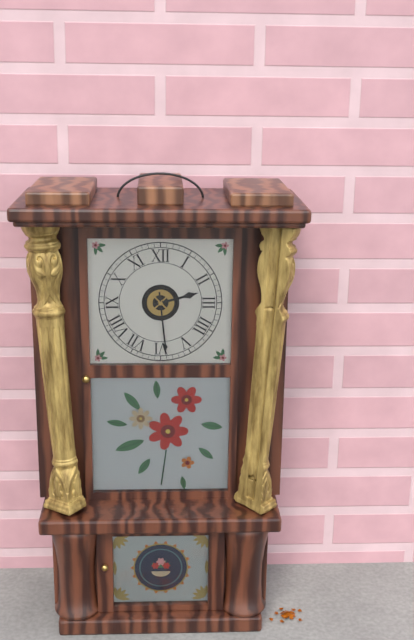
h=2 m=29
